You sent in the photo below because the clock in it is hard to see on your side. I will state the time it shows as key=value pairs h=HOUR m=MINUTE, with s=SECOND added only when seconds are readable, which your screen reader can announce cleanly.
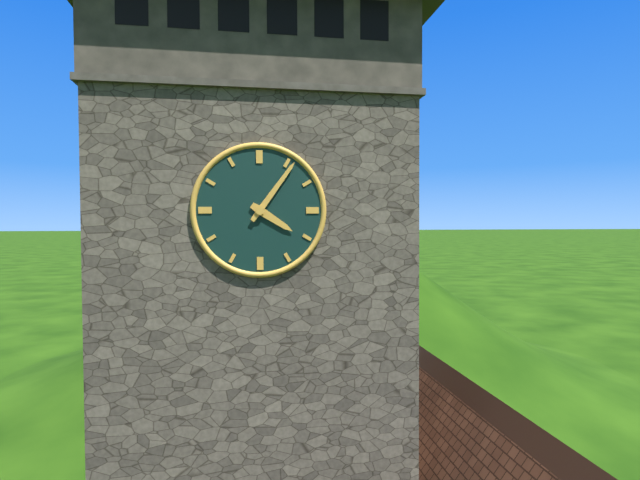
h=4 m=6
